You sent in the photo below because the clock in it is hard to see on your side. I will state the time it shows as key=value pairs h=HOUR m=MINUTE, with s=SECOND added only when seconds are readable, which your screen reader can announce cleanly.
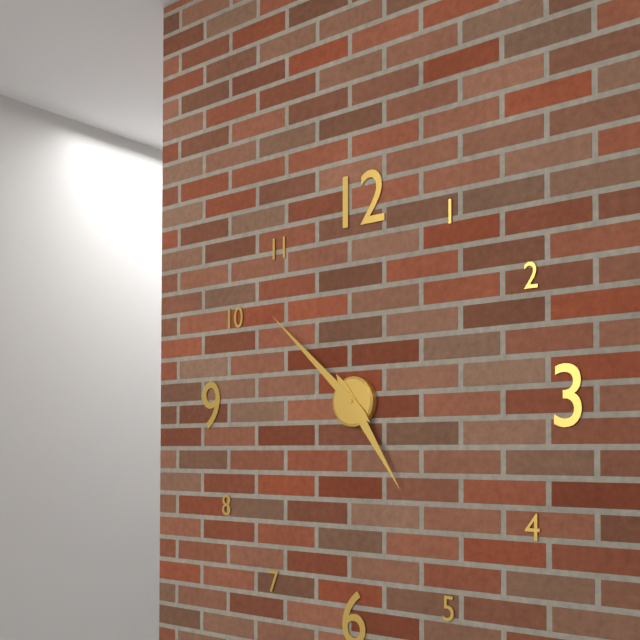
h=4 m=52
